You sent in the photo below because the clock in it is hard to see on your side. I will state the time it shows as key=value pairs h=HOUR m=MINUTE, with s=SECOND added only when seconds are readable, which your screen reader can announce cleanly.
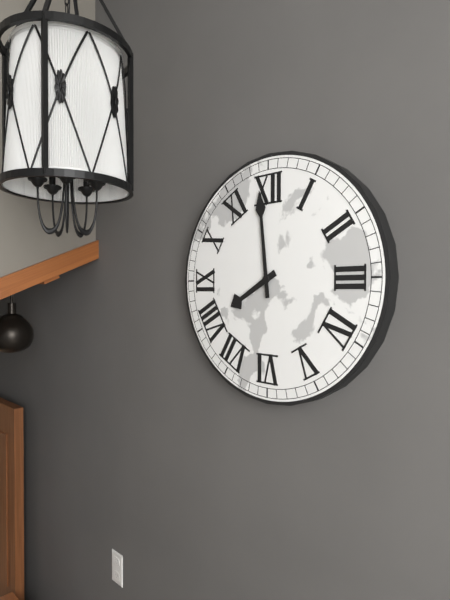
h=7 m=59
